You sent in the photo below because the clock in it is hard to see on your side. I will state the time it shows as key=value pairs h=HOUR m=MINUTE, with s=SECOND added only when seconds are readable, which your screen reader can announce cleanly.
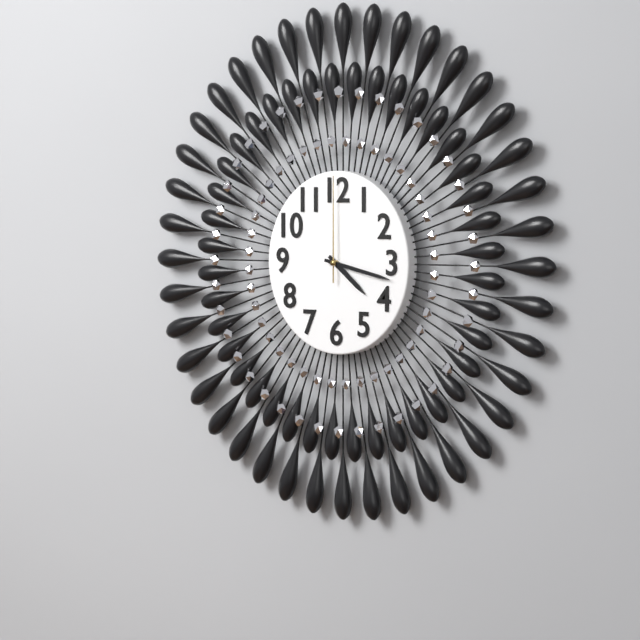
h=4 m=17 s=0
